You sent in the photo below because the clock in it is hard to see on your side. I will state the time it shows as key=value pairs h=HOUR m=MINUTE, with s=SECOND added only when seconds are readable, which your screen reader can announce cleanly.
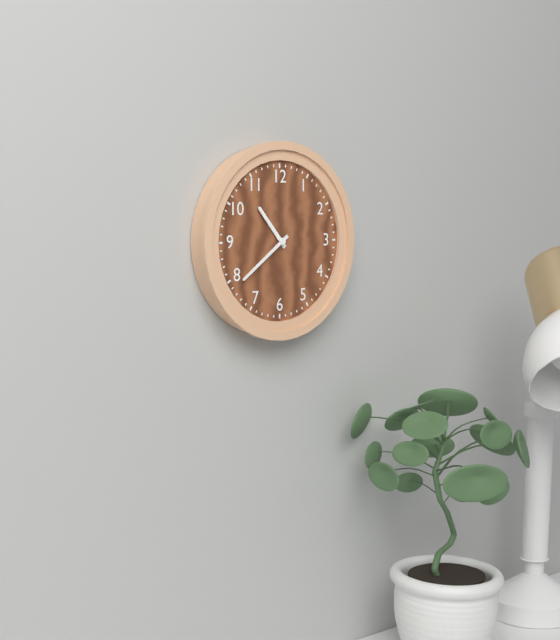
h=10 m=39
